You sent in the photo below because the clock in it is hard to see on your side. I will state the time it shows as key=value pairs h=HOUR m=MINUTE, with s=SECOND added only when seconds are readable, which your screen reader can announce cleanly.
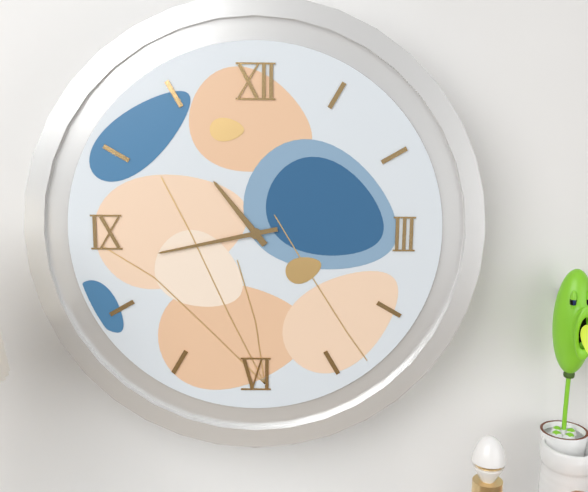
h=10 m=43
